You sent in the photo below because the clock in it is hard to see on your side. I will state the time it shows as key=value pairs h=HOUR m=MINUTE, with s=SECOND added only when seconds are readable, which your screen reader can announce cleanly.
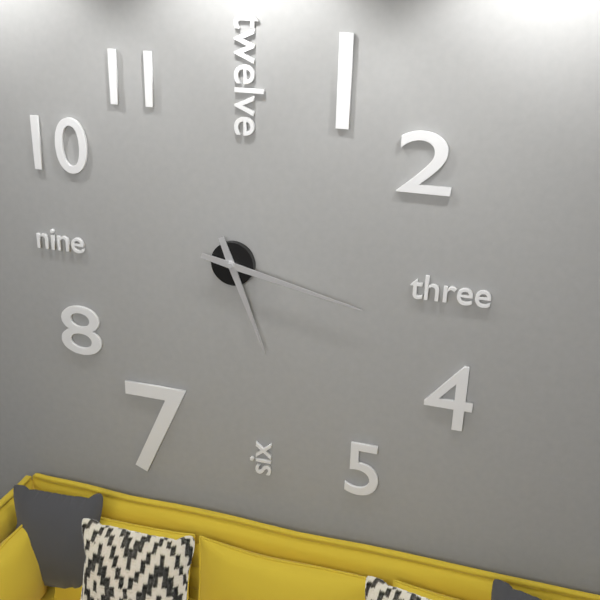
h=5 m=17
